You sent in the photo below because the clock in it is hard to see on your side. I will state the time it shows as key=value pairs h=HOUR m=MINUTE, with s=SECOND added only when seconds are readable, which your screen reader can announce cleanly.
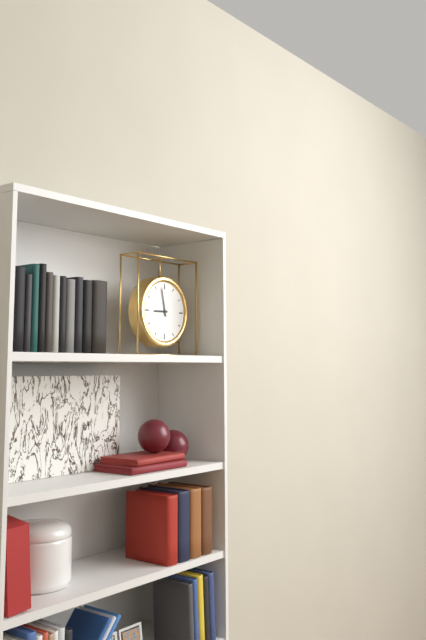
h=8 m=58
